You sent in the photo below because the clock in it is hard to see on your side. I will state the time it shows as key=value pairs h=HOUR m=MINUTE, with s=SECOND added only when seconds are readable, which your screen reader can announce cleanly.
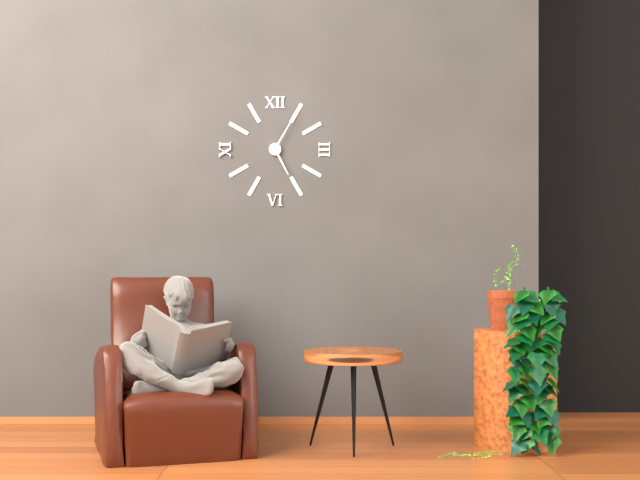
h=5 m=5
